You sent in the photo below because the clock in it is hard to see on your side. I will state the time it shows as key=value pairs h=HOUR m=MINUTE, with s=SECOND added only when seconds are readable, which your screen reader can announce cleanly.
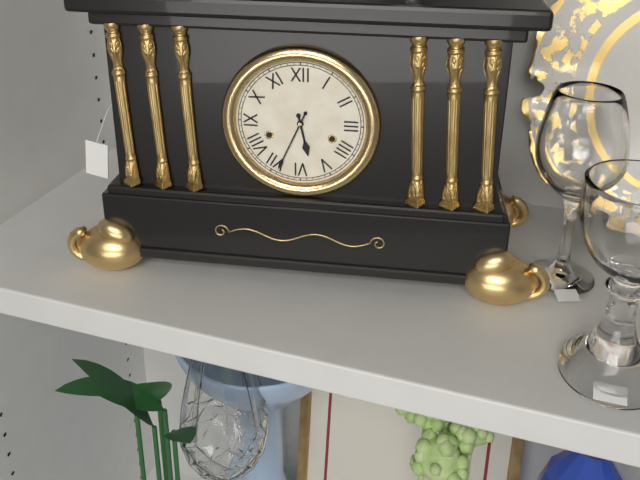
h=5 m=34
